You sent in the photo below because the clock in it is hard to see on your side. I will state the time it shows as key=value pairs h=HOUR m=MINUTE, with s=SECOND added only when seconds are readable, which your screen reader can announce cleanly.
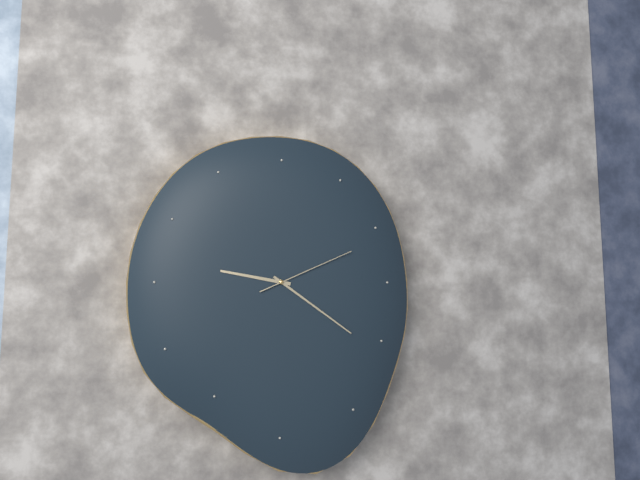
h=9 m=21 s=11
